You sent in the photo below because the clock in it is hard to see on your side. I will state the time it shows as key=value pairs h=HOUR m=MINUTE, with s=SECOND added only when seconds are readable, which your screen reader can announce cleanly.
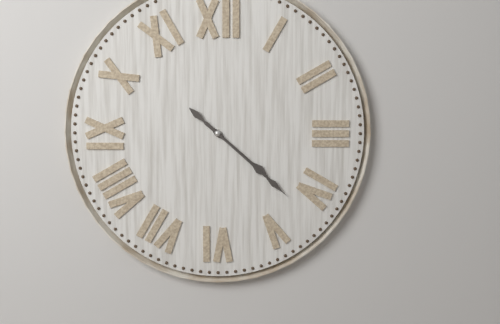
h=4 m=22
